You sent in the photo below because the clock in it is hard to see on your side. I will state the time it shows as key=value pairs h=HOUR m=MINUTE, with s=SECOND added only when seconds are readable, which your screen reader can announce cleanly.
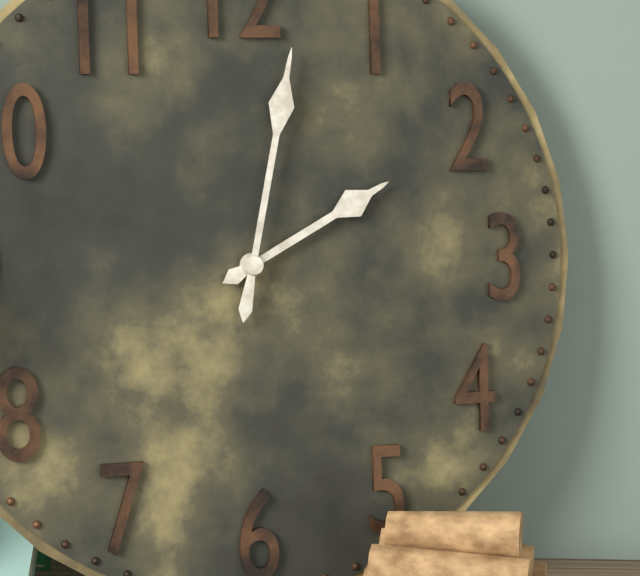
h=2 m=2
